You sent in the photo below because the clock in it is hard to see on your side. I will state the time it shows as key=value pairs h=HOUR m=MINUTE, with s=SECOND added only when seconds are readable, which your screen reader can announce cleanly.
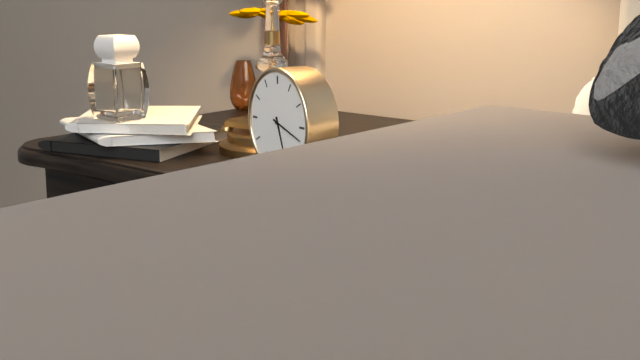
h=5 m=18
